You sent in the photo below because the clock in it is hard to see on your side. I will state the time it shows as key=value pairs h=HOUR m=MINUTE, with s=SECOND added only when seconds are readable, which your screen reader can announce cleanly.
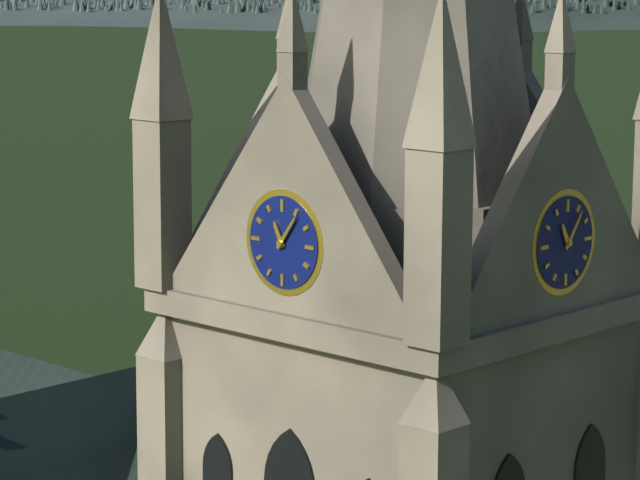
h=11 m=6
